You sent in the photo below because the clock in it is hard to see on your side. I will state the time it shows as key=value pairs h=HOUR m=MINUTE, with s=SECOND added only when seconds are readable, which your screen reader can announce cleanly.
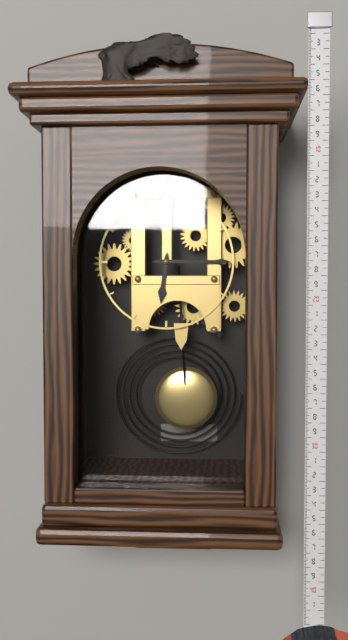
h=6 m=15
